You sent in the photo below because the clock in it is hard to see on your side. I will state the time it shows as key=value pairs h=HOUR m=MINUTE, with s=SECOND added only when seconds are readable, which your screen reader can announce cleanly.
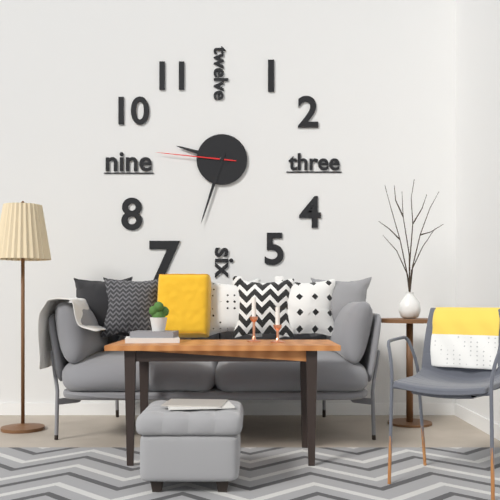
h=9 m=33 s=46
